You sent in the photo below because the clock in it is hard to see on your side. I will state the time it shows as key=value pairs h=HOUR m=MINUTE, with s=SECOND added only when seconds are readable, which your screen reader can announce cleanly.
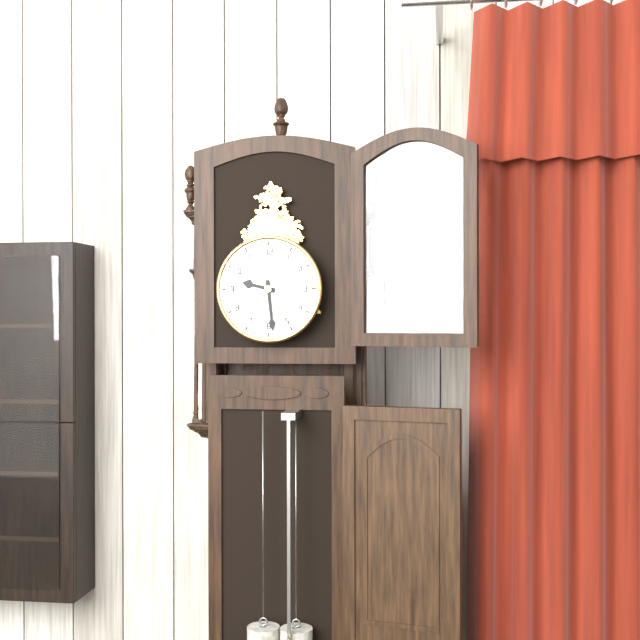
h=9 m=29
